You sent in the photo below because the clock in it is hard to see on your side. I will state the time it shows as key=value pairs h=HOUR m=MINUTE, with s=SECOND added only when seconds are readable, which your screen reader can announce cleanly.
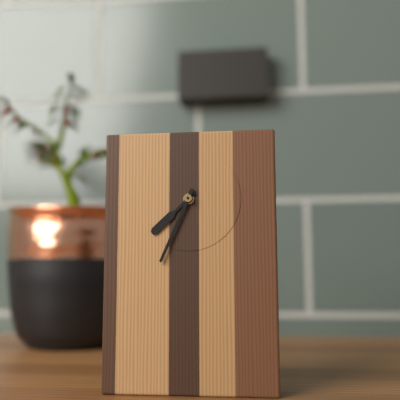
h=7 m=34
